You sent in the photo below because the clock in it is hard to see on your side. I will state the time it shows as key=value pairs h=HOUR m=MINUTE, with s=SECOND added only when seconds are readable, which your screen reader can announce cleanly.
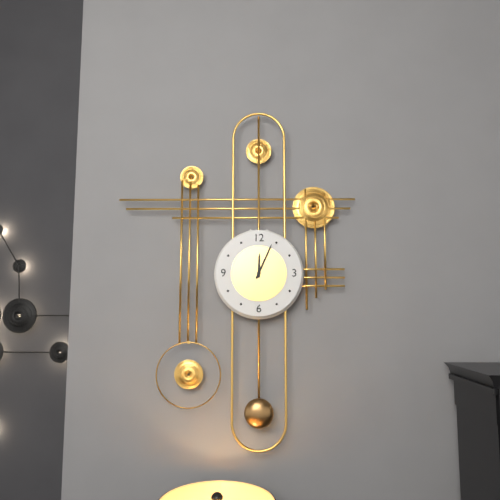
h=12 m=4
